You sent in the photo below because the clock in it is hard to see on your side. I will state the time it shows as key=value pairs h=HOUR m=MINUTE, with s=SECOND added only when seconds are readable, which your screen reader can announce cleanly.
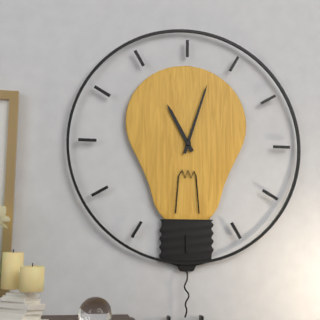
h=11 m=3
